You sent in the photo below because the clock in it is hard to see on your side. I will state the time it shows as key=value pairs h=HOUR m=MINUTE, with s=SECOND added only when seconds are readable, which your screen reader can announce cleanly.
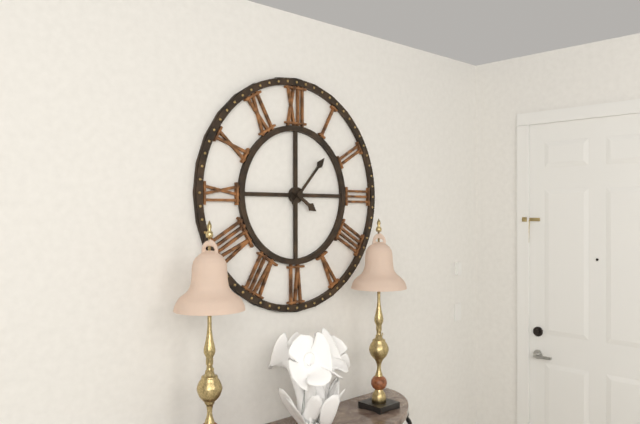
h=4 m=7
